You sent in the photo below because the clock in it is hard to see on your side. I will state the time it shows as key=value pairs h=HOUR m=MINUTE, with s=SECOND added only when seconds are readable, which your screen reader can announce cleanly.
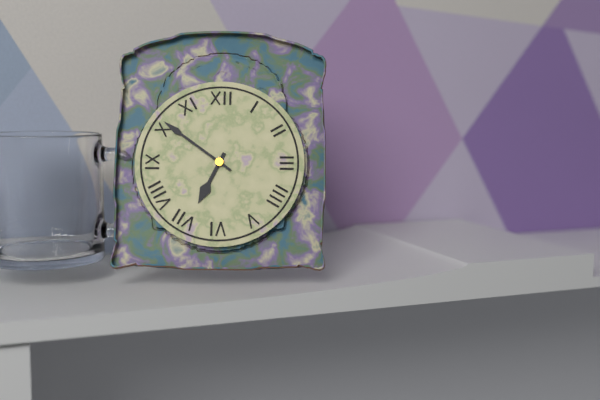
h=6 m=51
